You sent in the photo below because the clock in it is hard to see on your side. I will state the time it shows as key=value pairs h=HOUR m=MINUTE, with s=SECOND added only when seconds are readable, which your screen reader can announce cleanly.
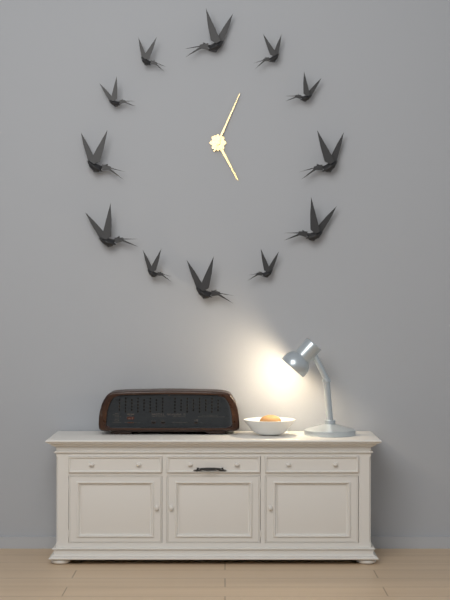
h=5 m=4
